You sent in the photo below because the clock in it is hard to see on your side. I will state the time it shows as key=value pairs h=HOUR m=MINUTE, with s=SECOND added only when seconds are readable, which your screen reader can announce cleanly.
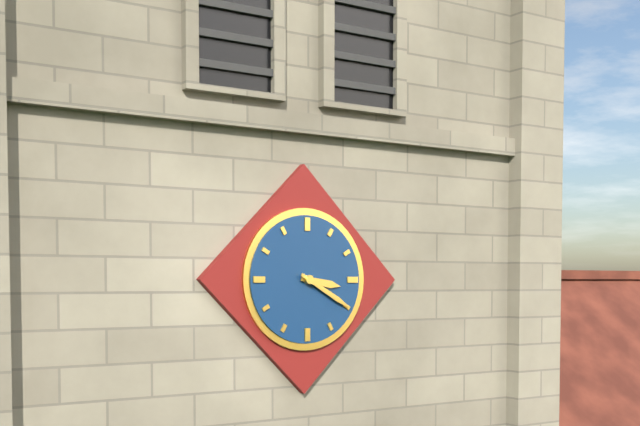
h=3 m=20
